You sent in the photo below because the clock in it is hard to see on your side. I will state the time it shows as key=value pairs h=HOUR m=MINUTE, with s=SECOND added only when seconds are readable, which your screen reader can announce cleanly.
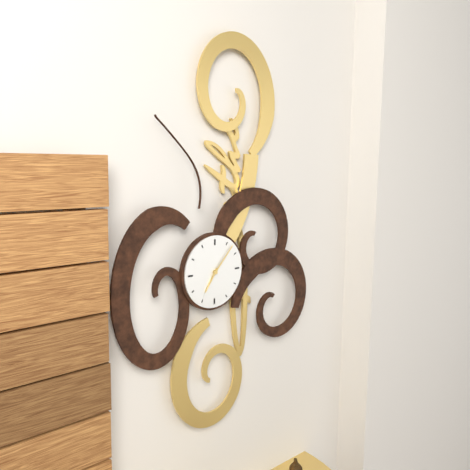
h=7 m=7
